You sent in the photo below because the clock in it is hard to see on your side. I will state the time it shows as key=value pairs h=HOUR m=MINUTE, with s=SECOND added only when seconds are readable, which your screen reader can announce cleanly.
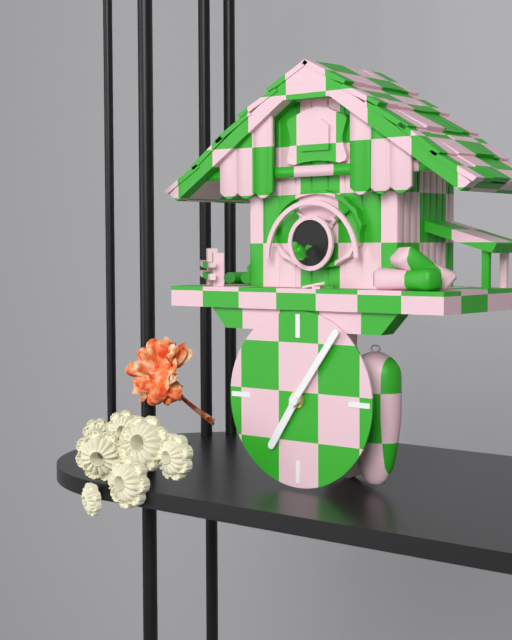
h=7 m=6
